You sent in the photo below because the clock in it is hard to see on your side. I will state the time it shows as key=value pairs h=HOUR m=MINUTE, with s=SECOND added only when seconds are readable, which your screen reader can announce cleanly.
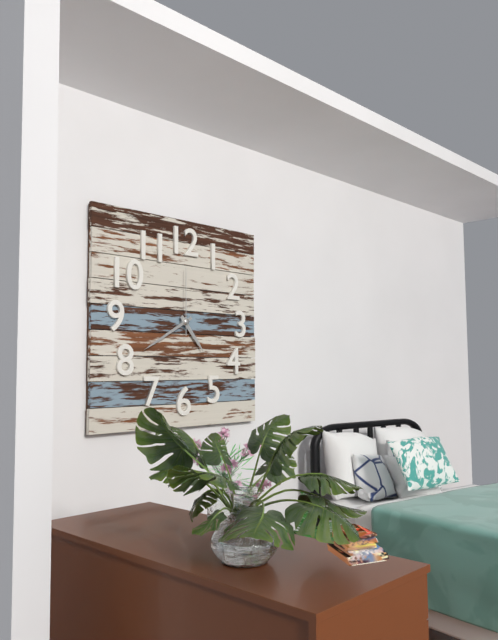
h=4 m=40 s=0
